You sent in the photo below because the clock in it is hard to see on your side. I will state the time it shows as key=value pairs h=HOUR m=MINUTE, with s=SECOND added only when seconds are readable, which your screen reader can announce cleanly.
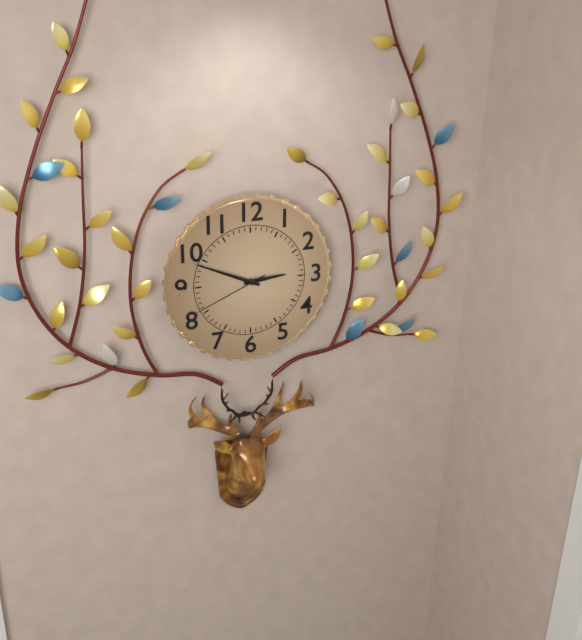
h=2 m=49 s=41
